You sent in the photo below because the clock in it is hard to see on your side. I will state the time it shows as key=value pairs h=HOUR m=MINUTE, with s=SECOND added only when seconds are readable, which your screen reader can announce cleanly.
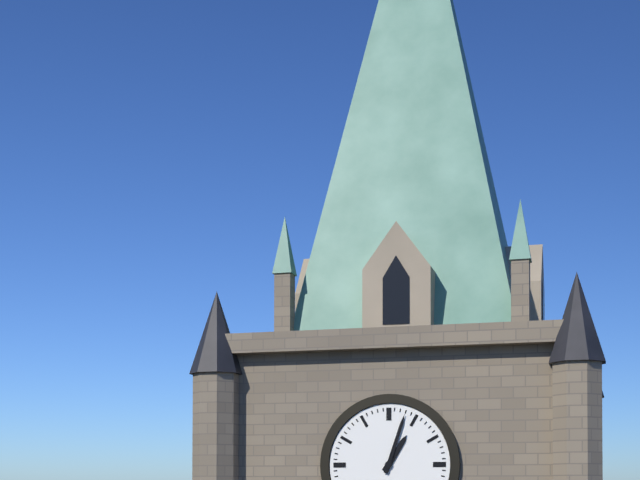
h=1 m=3
